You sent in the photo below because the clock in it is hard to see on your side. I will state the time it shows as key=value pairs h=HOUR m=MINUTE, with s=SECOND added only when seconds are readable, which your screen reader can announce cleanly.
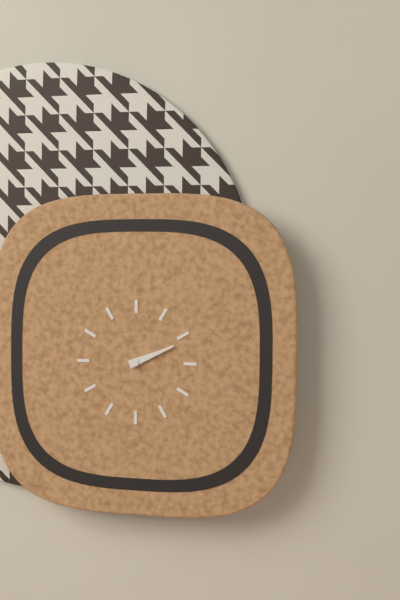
h=2 m=11
